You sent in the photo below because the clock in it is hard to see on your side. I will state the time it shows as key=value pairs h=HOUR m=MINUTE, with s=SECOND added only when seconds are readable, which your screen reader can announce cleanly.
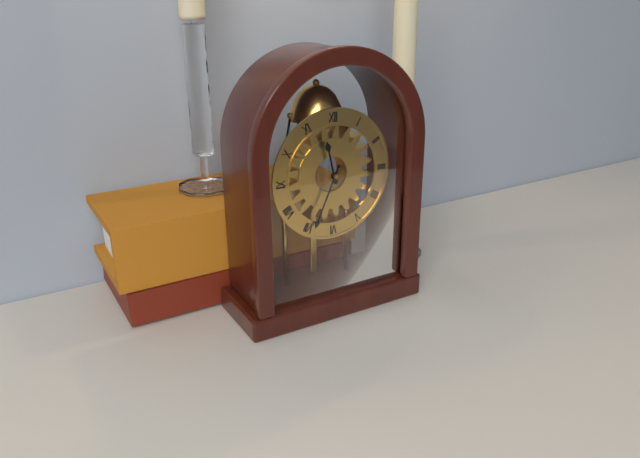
h=11 m=34
